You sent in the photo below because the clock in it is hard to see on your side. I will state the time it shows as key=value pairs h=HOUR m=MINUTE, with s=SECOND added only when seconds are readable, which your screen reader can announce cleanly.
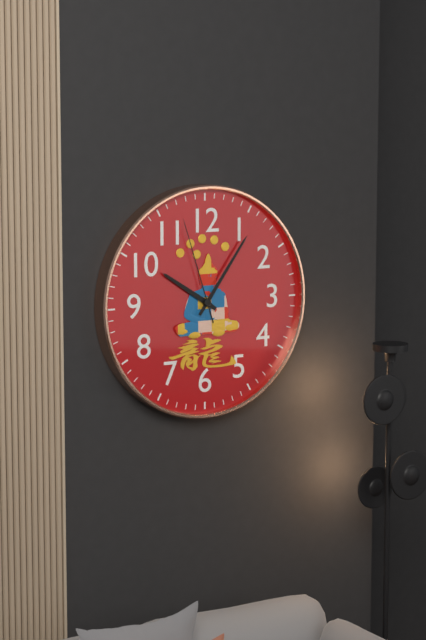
h=10 m=6 s=57
